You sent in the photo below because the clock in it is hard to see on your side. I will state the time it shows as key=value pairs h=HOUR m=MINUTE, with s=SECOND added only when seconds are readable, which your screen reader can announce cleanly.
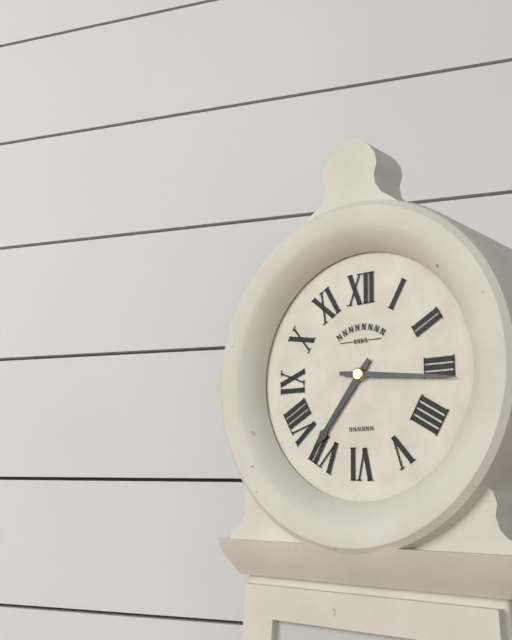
h=7 m=16
